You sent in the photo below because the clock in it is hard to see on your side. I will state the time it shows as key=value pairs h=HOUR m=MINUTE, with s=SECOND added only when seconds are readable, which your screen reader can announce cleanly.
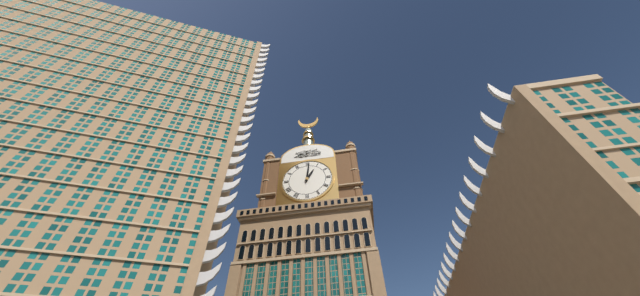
h=1 m=1
